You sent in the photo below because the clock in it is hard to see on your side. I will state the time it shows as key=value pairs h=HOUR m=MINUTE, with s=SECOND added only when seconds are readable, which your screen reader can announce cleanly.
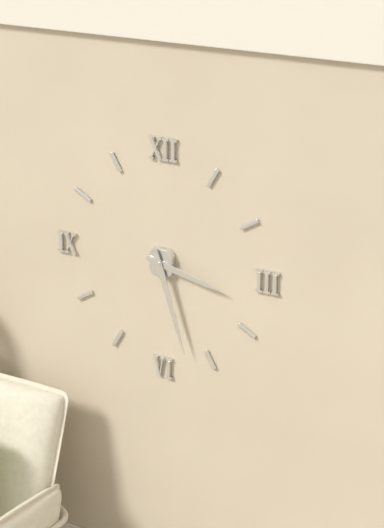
h=3 m=27
